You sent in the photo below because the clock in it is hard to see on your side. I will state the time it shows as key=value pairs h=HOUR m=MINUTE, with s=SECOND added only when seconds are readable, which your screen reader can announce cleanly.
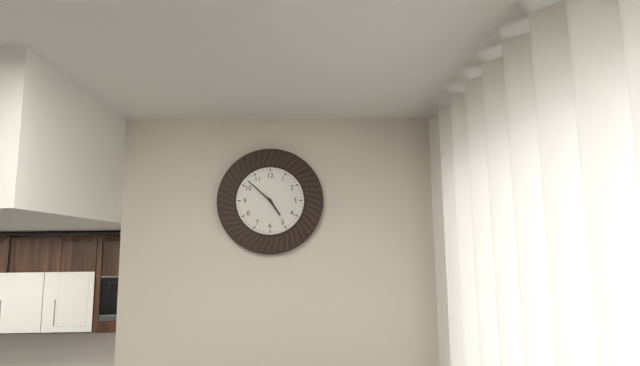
h=4 m=52
